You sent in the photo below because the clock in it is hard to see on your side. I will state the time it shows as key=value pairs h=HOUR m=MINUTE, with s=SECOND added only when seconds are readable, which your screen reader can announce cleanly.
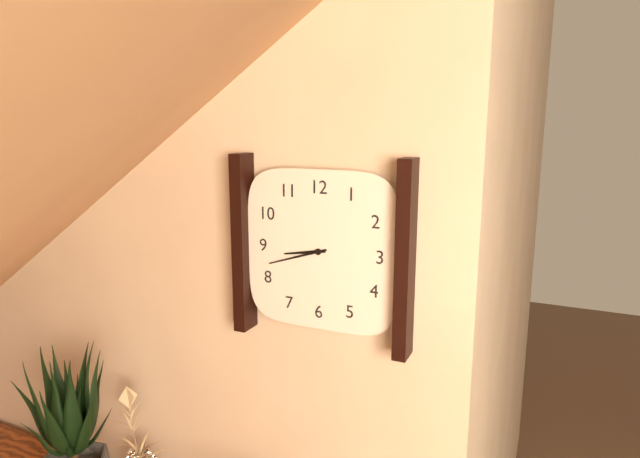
h=8 m=42
